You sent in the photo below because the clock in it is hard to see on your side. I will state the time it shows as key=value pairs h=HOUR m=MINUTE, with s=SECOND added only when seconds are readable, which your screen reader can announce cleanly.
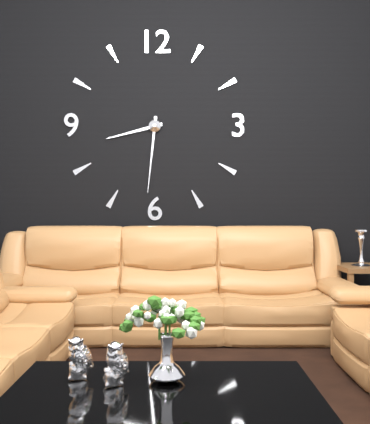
h=8 m=31
